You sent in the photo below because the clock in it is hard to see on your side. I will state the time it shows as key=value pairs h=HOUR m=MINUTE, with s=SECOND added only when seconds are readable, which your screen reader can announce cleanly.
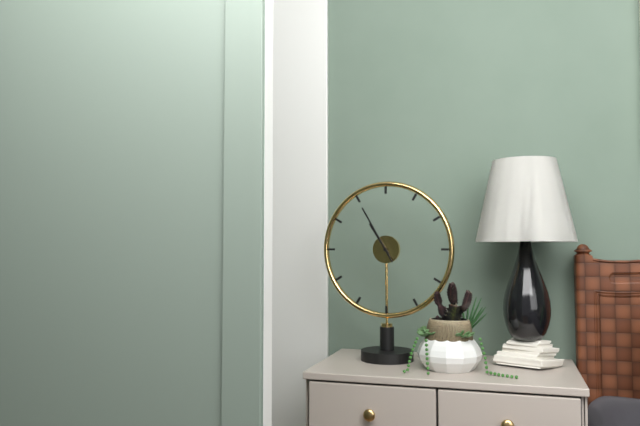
h=10 m=55
